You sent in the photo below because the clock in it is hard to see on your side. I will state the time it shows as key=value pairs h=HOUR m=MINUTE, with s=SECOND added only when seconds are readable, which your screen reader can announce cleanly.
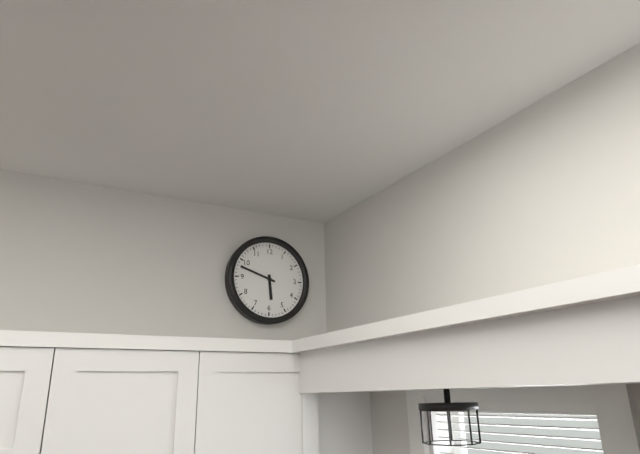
h=5 m=48
